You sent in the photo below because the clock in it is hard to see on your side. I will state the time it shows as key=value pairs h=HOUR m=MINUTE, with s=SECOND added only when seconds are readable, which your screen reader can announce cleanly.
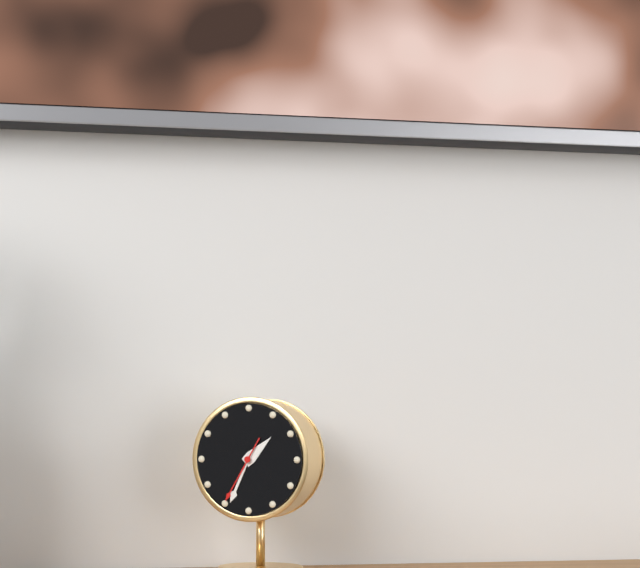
h=1 m=34 s=35
